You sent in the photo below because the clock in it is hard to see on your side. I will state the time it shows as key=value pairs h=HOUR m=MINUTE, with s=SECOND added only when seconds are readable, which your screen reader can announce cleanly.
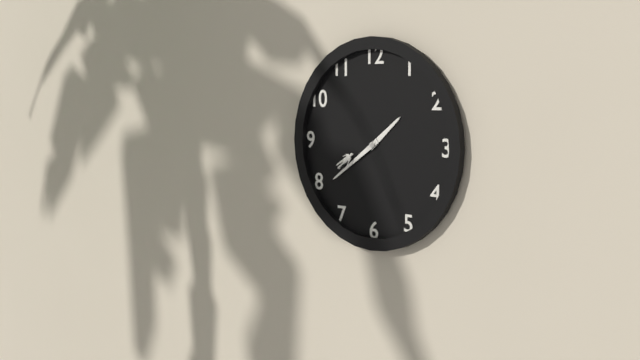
h=1 m=39
